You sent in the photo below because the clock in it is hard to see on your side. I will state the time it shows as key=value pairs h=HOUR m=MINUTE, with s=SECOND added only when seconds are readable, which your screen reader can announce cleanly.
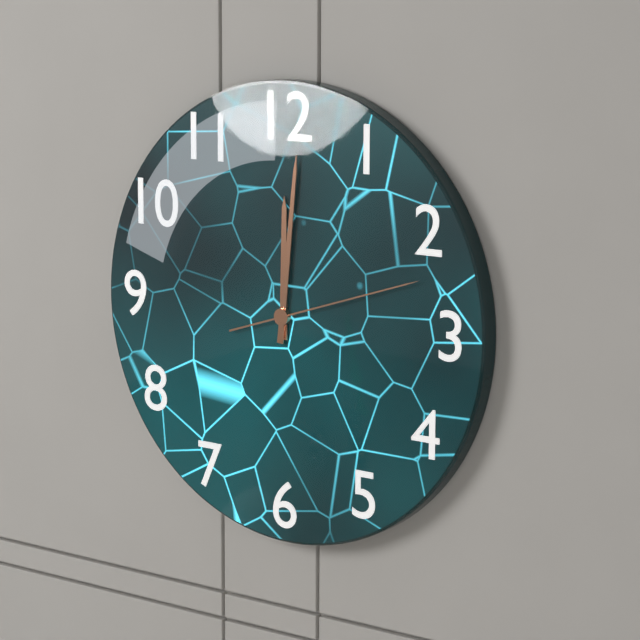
h=12 m=1 s=12
